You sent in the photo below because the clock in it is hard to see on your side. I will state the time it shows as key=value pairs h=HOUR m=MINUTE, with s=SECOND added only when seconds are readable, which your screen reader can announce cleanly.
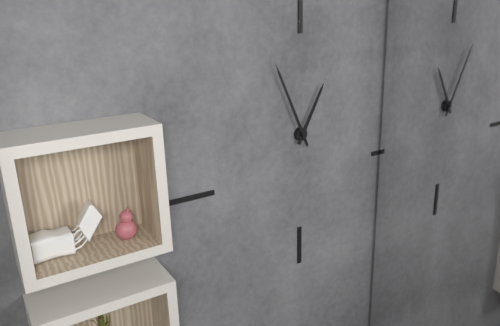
h=12 m=56
